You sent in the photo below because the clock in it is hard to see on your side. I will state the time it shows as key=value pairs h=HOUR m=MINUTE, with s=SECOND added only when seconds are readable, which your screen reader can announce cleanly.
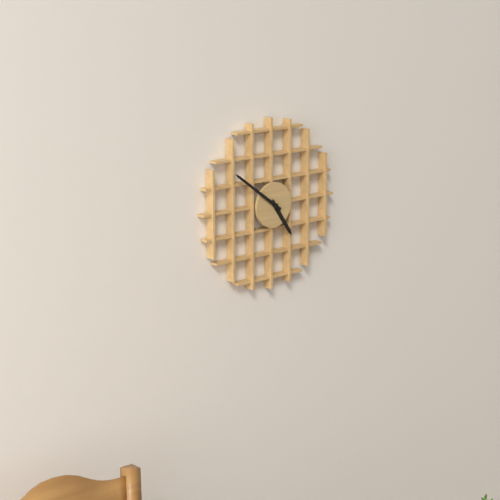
h=4 m=51
